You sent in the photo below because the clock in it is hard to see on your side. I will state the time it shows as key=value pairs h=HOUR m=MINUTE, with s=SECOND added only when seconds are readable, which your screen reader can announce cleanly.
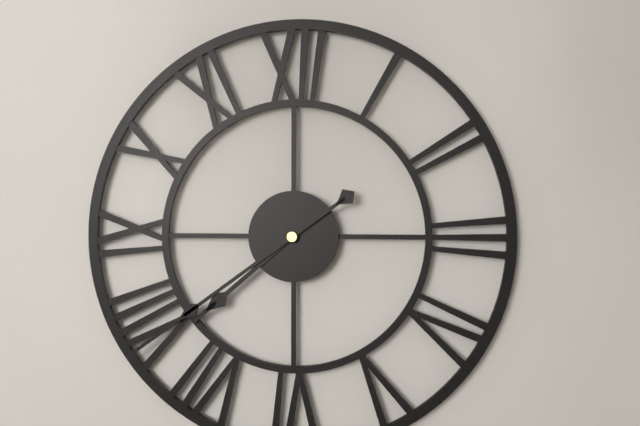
h=7 m=39
